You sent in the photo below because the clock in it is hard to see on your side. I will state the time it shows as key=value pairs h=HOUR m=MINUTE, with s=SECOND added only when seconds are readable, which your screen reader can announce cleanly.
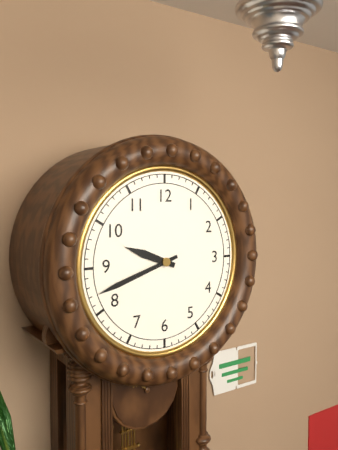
h=9 m=42
